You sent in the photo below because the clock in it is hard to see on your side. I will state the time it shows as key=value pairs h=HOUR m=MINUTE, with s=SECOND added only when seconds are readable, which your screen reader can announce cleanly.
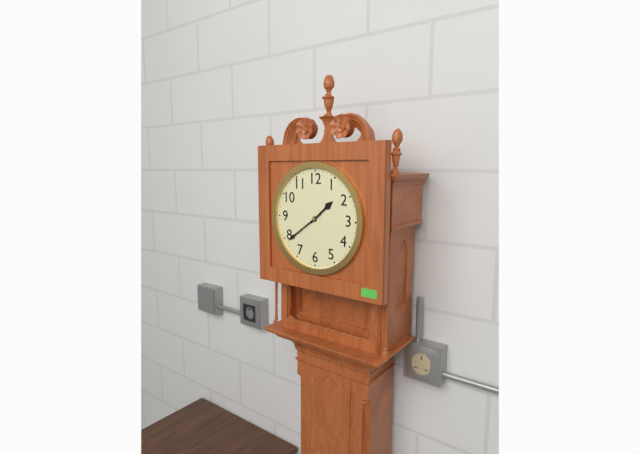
h=1 m=39
